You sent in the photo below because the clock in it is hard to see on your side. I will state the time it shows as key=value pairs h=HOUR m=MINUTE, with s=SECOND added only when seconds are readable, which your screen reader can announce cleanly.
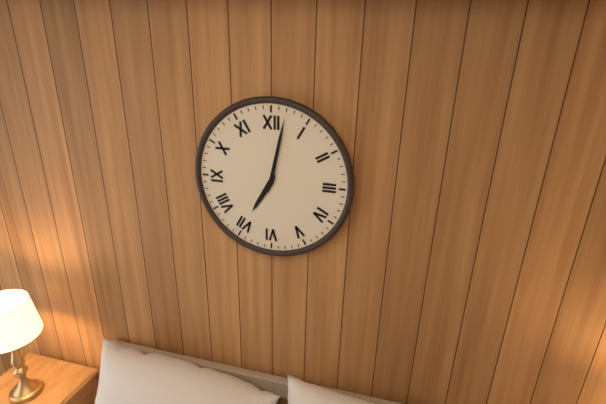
h=7 m=2
